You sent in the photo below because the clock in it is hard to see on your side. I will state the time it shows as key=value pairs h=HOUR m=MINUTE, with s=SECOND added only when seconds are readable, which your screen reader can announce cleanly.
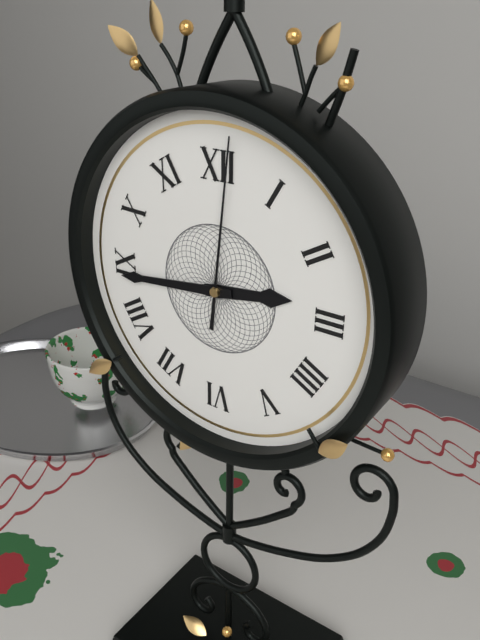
h=2 m=44 s=1
